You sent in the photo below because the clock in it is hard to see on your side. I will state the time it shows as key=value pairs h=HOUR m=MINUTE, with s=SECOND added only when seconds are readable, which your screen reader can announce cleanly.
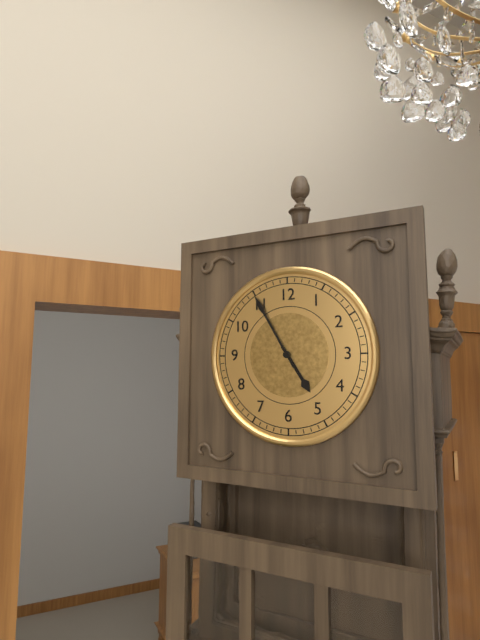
h=4 m=55
